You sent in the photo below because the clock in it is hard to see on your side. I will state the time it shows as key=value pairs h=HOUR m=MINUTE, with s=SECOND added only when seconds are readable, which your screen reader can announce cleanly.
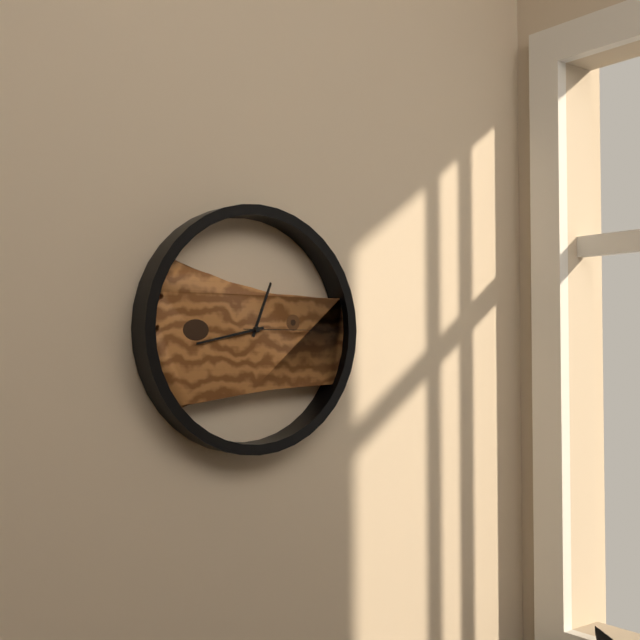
h=12 m=43 s=15
